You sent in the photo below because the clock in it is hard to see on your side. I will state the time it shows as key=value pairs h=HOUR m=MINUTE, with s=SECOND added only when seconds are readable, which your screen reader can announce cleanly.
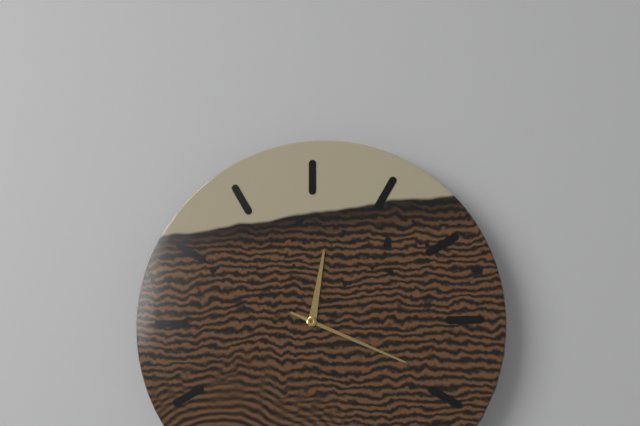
h=12 m=19
